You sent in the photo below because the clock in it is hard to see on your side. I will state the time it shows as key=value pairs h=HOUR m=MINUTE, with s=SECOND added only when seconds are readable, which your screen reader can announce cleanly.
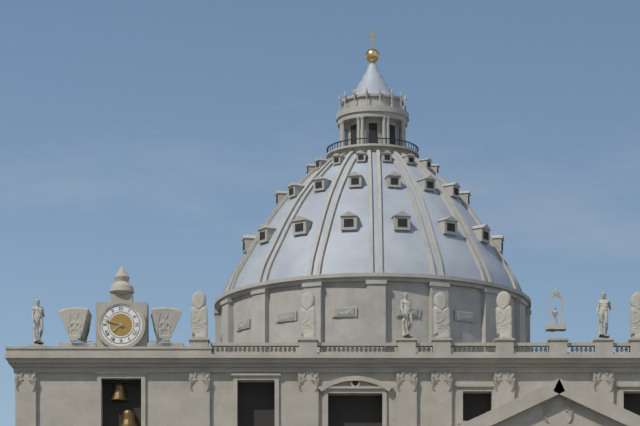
h=7 m=48
